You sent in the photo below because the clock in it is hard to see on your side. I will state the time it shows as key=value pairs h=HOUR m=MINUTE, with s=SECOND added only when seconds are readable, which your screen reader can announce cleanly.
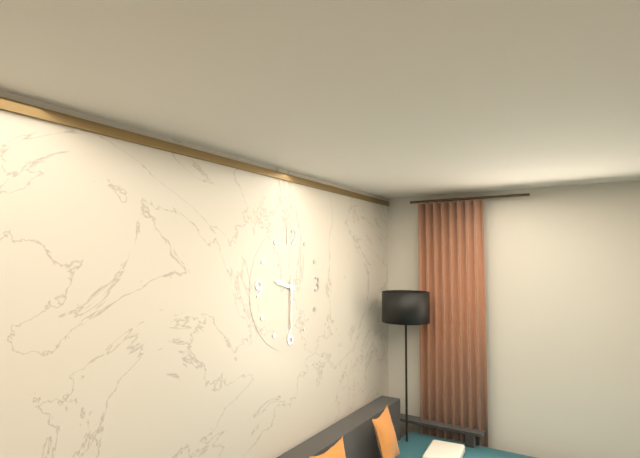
h=9 m=30
